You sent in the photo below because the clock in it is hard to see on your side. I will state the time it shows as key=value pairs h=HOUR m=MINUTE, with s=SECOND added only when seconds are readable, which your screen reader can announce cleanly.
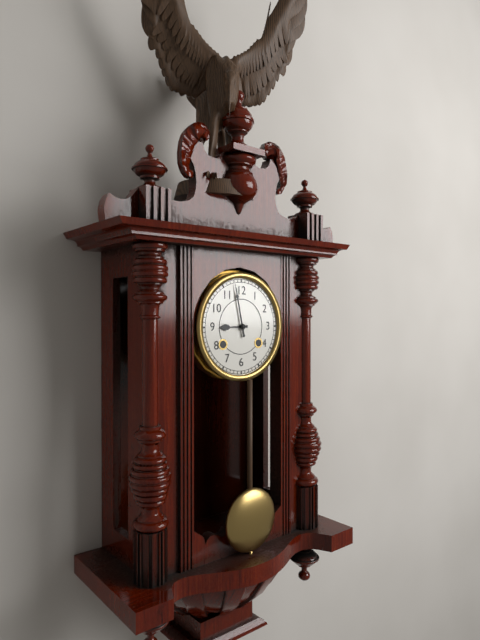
h=8 m=58
